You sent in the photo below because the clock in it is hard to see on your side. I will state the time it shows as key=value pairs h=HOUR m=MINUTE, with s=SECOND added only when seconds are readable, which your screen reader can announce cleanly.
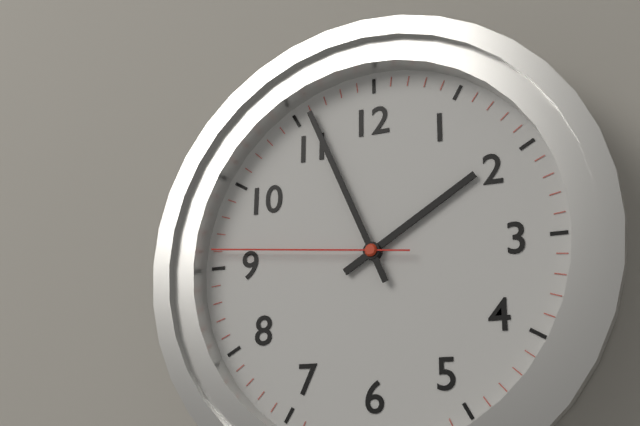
h=1 m=56 s=46
